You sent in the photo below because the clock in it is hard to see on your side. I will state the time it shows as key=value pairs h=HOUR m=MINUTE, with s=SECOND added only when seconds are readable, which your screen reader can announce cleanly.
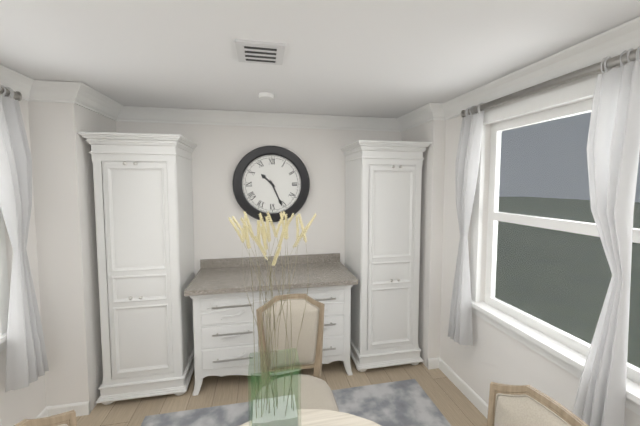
h=10 m=26
